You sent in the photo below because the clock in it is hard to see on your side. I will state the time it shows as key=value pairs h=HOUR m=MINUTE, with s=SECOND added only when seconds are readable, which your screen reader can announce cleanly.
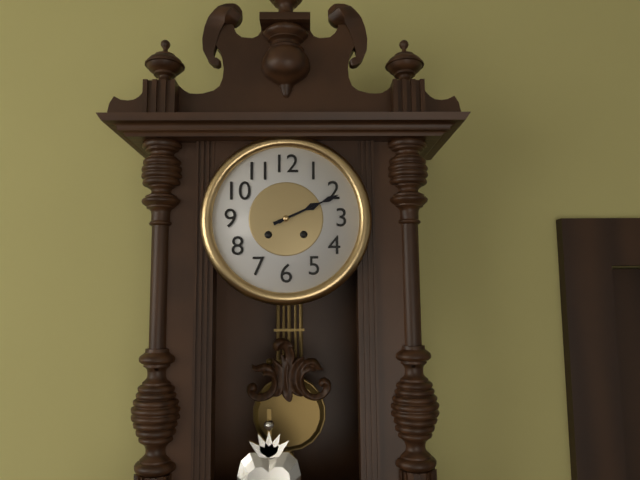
h=2 m=11
